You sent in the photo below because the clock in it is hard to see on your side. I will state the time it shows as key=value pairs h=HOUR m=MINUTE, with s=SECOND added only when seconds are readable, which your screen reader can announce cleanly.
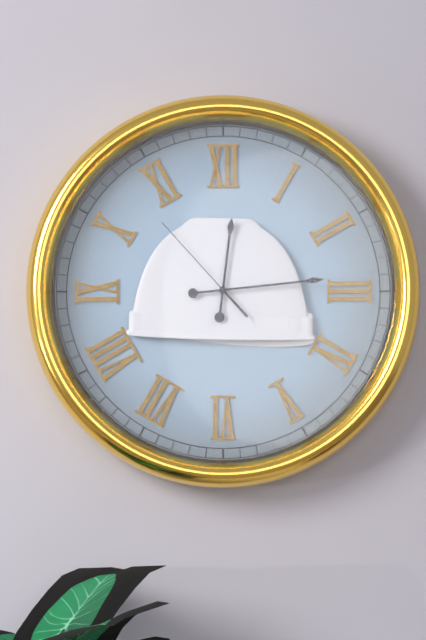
h=12 m=14 s=53
